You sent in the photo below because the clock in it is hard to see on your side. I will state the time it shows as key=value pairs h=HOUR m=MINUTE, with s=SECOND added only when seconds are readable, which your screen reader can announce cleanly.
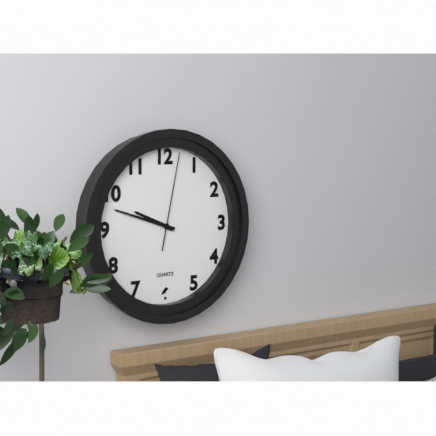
h=9 m=48 s=2
